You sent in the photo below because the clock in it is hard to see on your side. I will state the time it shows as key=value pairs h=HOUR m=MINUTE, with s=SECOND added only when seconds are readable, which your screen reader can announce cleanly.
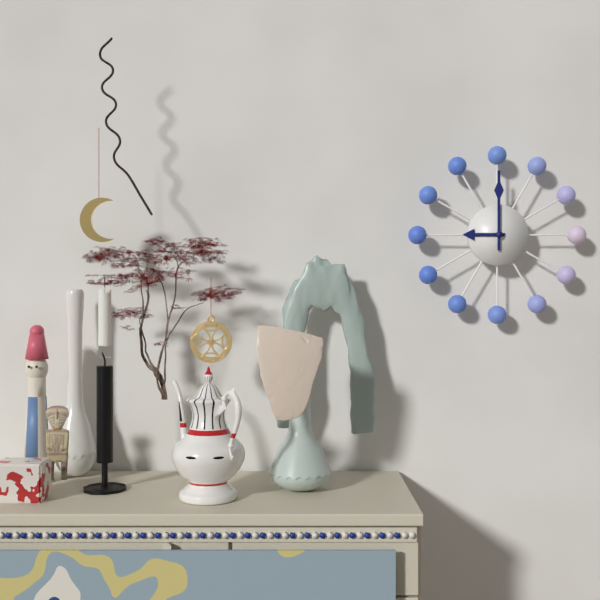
h=9 m=0
